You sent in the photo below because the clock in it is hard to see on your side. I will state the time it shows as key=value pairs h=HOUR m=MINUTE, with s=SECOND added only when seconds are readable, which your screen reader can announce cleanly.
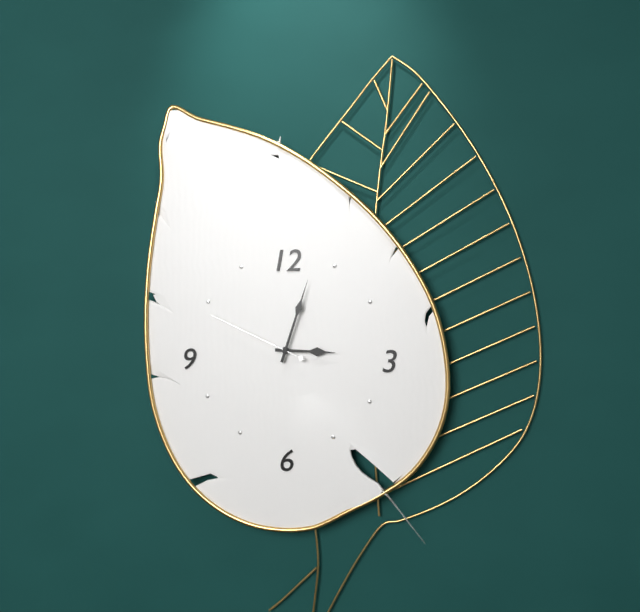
h=3 m=3 s=49
